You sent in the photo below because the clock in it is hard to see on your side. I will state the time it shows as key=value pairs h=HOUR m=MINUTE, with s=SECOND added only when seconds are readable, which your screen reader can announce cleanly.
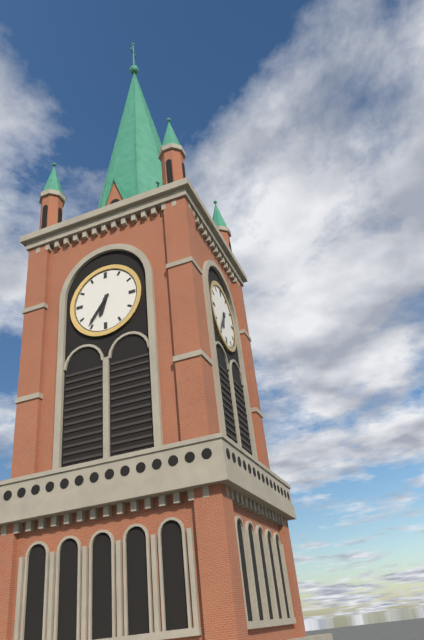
h=6 m=36
